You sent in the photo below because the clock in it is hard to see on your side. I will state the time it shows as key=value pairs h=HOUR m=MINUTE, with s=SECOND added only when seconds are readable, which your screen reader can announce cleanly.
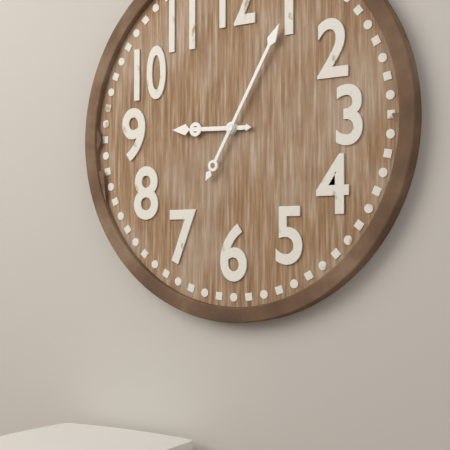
h=9 m=5
